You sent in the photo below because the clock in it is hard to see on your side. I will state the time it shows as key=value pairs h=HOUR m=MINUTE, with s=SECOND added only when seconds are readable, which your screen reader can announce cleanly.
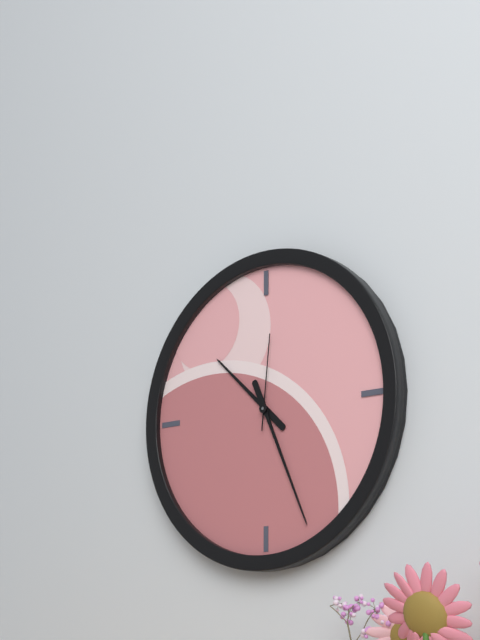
h=10 m=26 s=1
